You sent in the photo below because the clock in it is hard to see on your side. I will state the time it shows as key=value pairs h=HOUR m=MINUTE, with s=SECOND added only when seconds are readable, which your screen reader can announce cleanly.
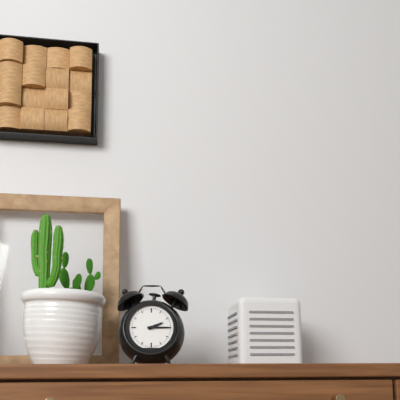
h=2 m=15
